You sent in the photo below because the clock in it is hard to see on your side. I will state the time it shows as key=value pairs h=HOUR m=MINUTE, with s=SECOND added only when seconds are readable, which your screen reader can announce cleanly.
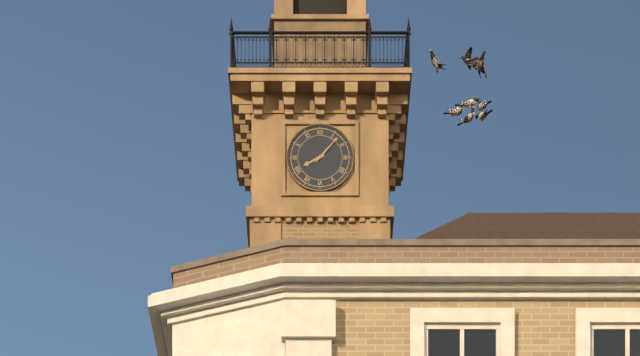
h=8 m=7
